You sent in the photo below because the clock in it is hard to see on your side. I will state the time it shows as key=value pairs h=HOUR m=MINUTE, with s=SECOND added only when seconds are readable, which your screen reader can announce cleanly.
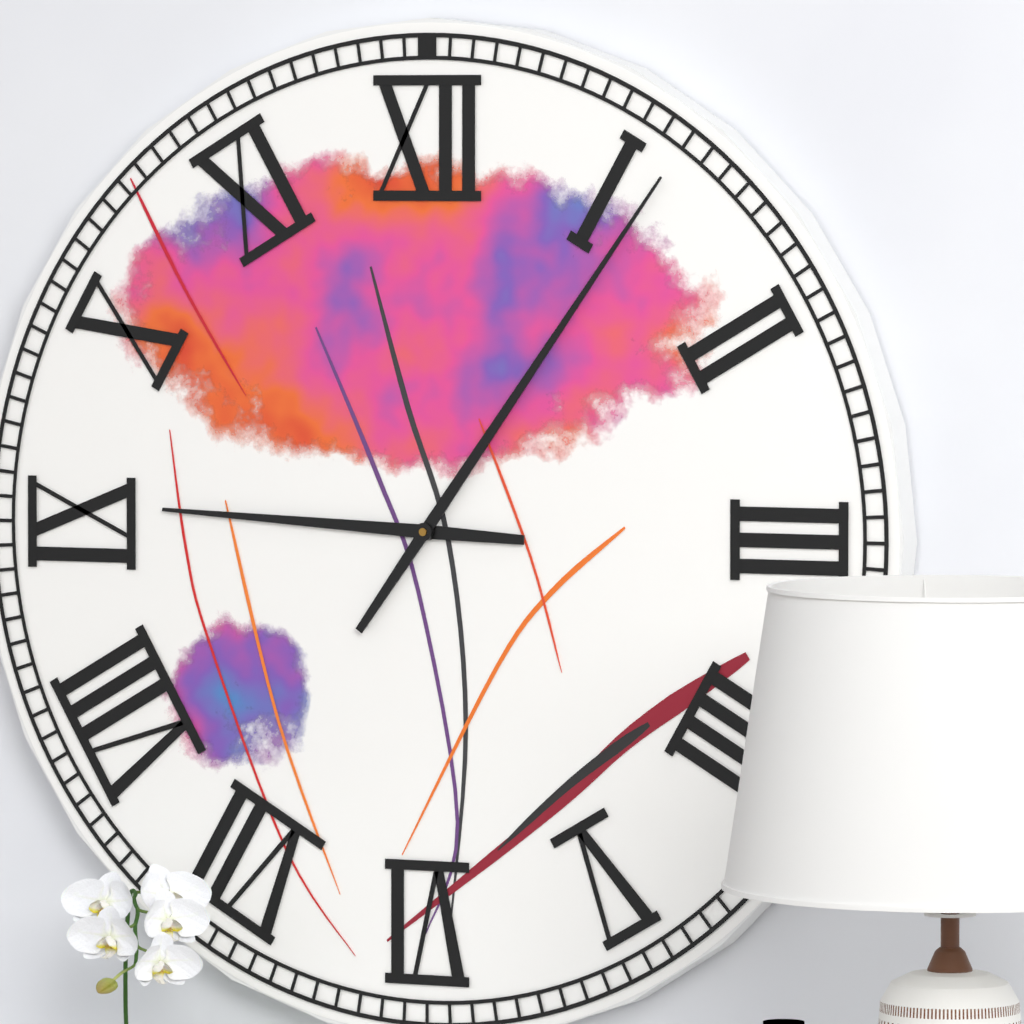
h=9 m=6
